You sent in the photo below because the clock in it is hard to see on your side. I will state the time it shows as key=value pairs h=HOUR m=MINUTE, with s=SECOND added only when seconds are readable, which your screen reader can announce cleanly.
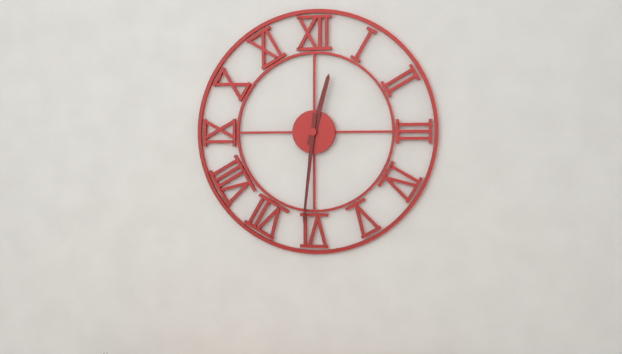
h=12 m=31
